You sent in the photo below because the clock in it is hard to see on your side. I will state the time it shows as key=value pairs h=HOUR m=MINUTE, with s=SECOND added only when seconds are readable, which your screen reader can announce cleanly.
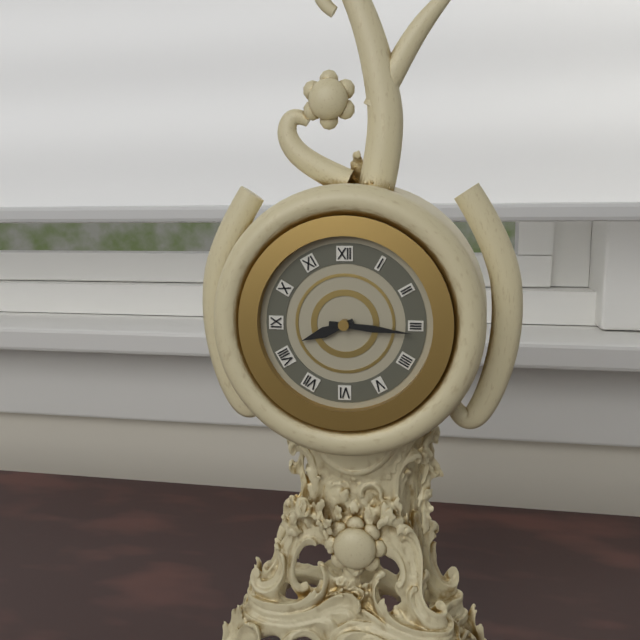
h=8 m=16
